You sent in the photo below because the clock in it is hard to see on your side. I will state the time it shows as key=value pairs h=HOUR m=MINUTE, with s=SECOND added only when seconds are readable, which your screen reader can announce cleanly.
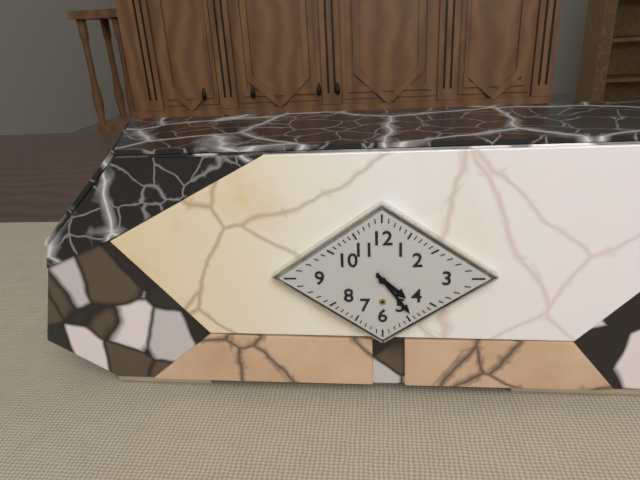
h=4 m=24
